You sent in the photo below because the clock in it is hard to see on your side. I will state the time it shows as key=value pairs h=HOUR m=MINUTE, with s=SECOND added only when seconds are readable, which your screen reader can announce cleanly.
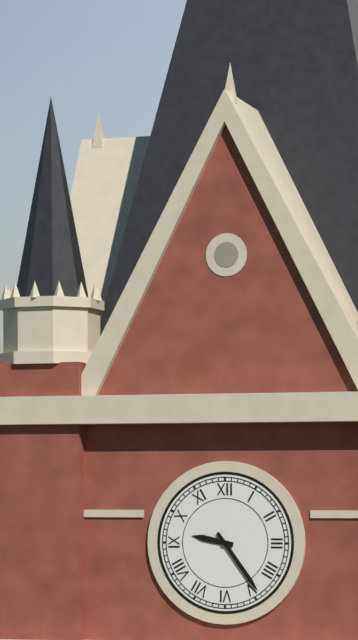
h=9 m=24
